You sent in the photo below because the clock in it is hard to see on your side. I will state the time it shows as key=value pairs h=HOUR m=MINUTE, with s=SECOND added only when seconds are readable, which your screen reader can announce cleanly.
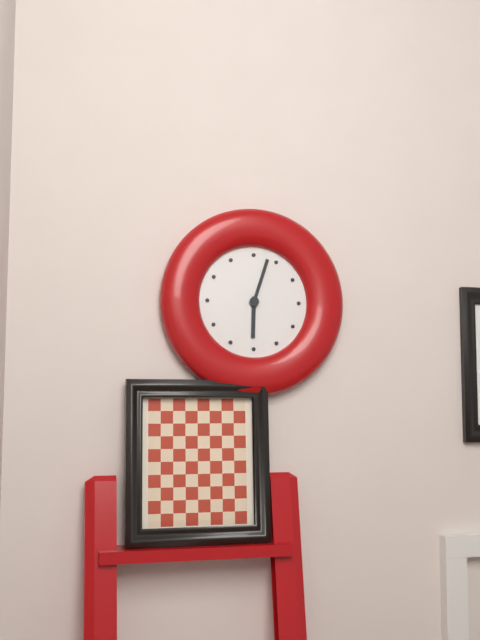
h=6 m=3
